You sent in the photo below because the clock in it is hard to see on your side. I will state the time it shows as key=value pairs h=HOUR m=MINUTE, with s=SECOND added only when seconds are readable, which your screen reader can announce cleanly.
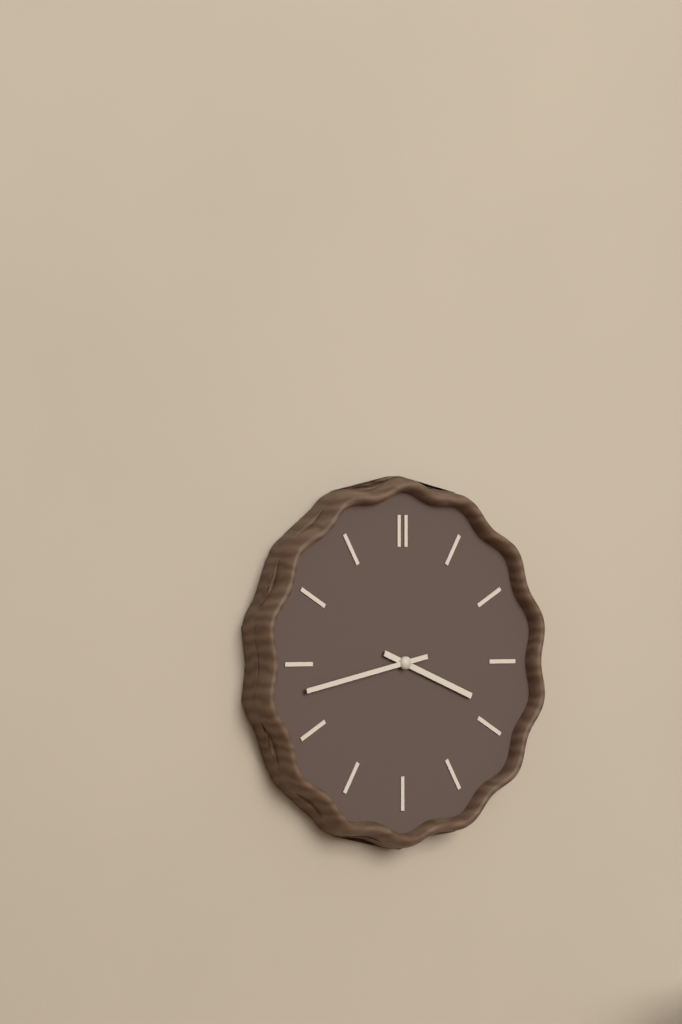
h=3 m=43
